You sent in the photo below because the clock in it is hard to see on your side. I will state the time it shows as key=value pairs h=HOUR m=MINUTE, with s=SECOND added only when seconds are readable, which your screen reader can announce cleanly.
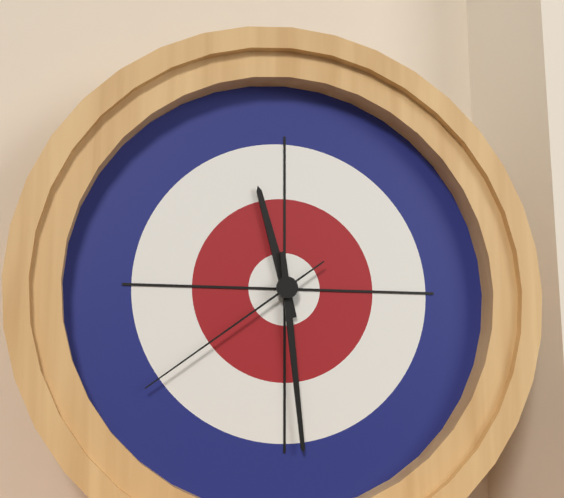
h=11 m=29 s=39
